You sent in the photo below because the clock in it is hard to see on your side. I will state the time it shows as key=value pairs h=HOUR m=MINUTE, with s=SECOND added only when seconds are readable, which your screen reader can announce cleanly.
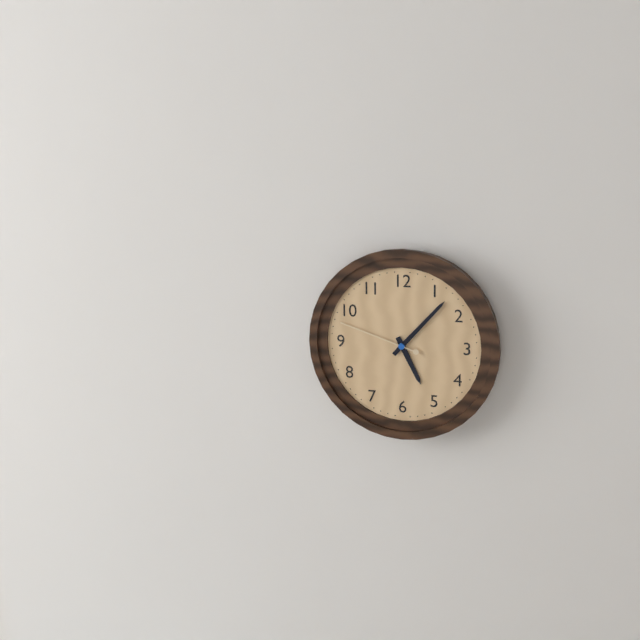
h=5 m=7 s=48
